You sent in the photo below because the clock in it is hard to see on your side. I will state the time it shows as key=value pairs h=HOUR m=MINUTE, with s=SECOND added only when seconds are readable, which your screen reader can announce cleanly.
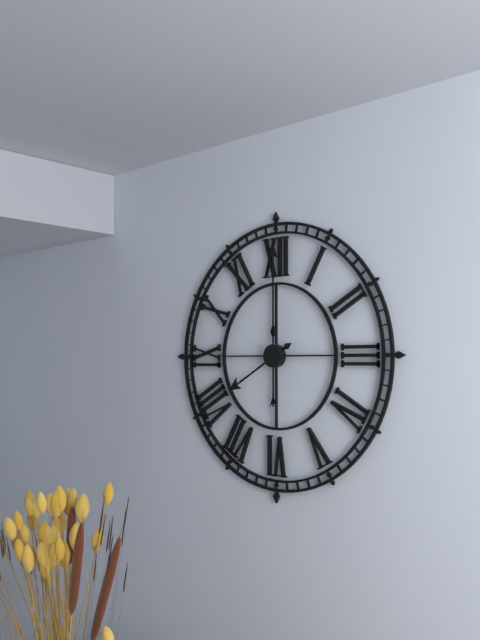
h=8 m=0
